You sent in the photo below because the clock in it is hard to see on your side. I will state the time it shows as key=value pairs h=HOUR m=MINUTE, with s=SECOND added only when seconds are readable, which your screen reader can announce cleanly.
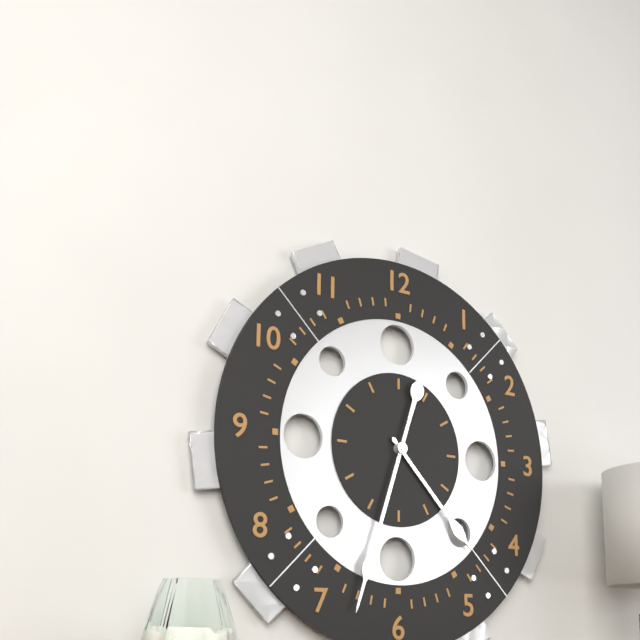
h=4 m=33
